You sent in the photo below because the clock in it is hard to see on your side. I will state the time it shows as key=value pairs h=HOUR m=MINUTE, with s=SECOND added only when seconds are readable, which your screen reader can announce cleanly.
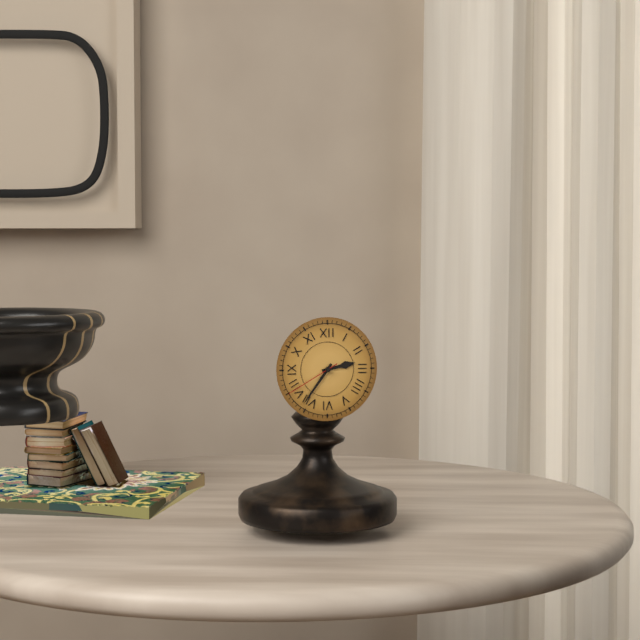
h=2 m=36 s=40
